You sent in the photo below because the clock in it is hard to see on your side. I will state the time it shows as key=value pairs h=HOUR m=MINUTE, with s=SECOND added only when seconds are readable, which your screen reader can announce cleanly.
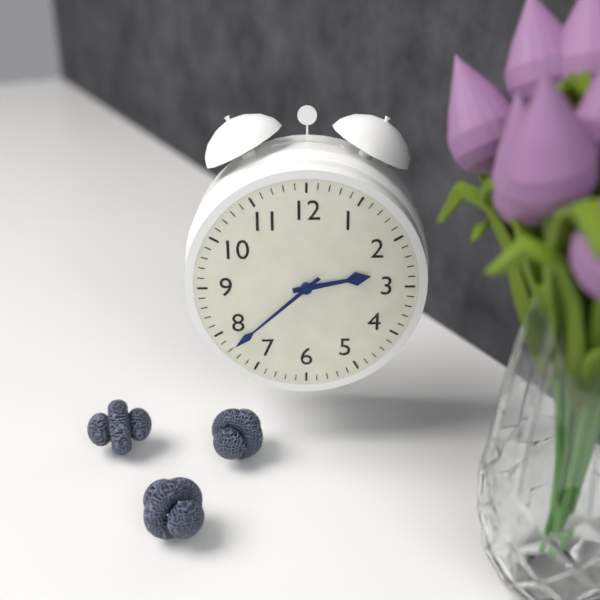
h=2 m=38
